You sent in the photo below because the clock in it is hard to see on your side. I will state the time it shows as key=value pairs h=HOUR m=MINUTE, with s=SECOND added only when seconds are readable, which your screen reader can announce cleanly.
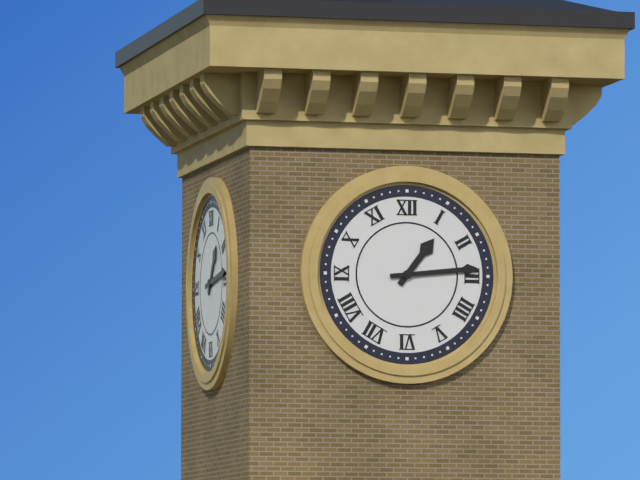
h=1 m=14
